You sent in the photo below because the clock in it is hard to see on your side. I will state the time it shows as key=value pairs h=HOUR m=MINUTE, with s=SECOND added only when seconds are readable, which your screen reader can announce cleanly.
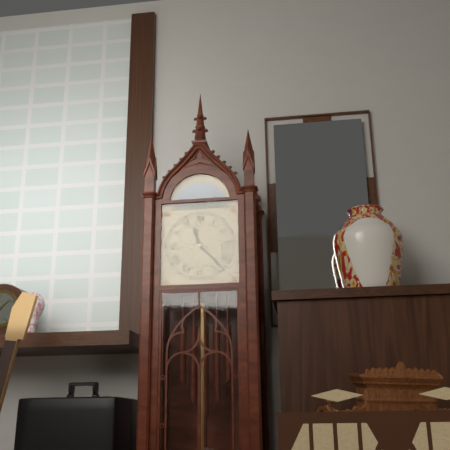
h=11 m=23
